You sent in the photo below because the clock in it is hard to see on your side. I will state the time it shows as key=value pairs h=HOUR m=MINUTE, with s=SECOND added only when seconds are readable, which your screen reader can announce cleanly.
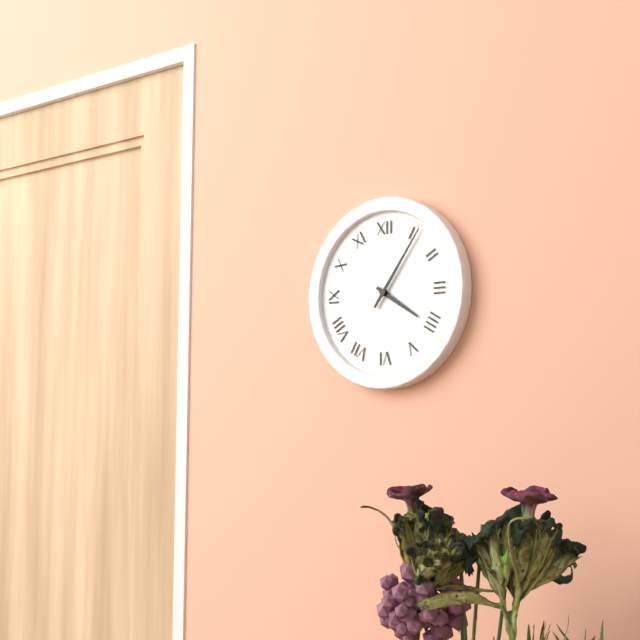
h=4 m=6
